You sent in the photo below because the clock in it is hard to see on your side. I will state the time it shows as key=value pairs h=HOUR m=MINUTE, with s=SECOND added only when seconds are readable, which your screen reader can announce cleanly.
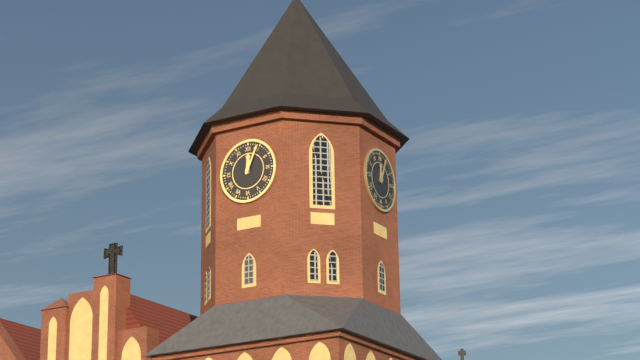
h=12 m=4
